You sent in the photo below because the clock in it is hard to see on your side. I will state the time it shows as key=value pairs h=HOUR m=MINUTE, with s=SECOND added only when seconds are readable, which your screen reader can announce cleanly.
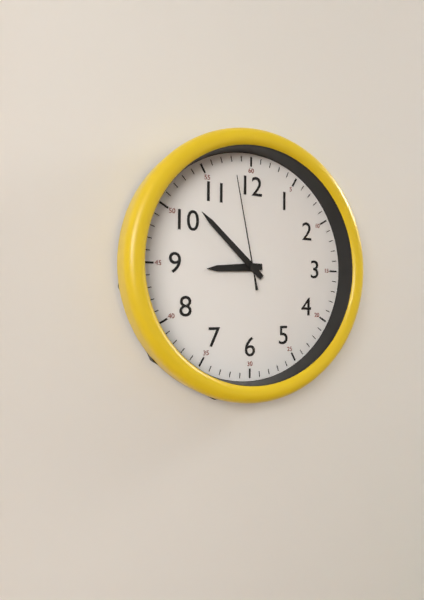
h=8 m=52 s=58
